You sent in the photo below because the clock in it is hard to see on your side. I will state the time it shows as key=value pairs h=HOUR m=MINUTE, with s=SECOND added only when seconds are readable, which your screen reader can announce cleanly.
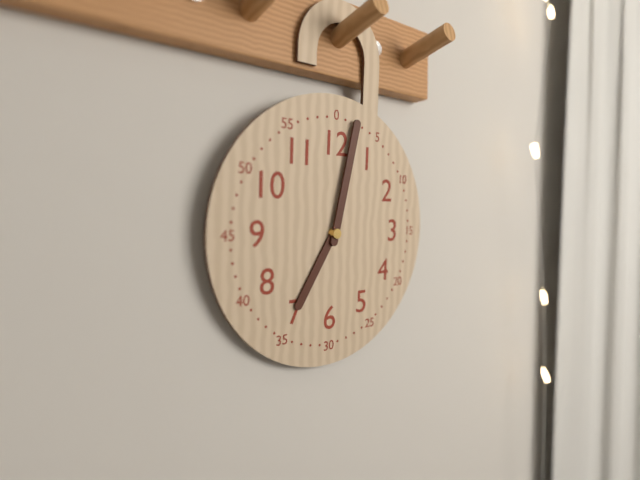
h=7 m=2
